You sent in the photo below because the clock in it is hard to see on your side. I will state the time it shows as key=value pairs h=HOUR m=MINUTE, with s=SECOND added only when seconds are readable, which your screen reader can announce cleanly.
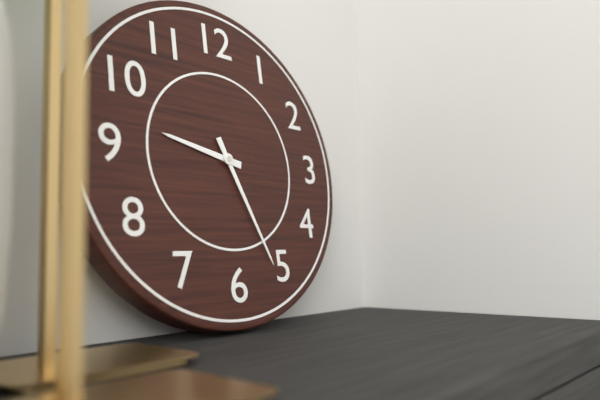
h=9 m=26
